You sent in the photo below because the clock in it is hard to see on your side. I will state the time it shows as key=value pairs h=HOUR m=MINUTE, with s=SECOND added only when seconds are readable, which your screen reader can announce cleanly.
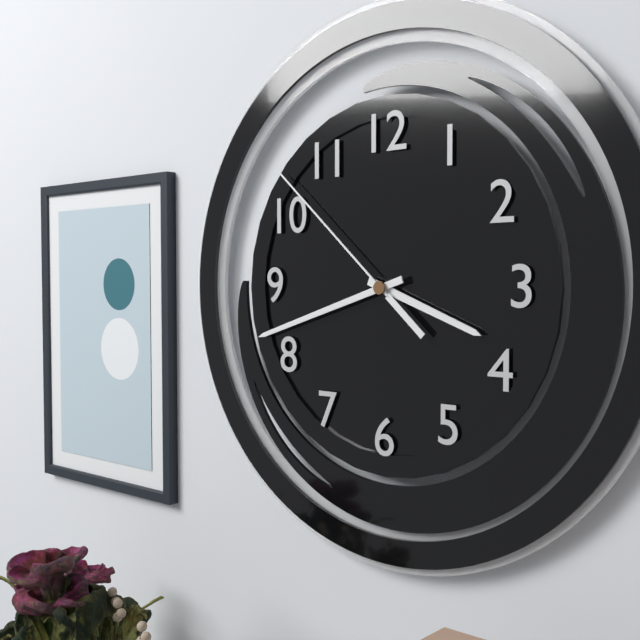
h=3 m=42 s=52
